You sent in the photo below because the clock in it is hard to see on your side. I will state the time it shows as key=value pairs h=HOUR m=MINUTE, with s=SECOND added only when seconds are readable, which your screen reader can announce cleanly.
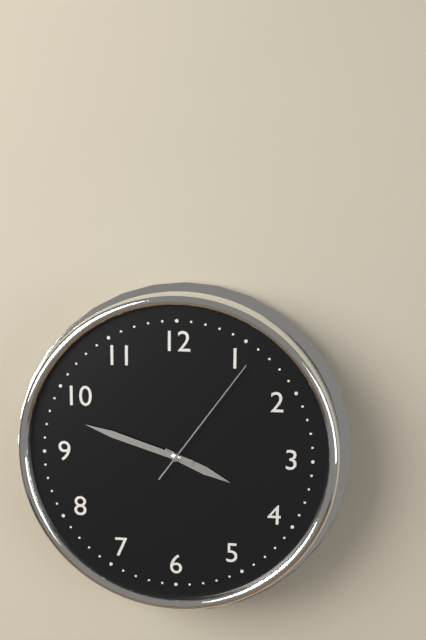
h=3 m=48 s=6
